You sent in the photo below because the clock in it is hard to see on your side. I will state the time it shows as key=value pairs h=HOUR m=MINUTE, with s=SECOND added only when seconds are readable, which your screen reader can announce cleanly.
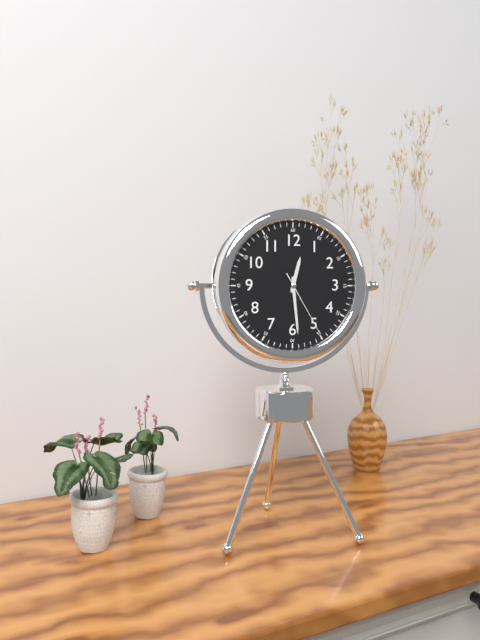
h=12 m=29 s=25
